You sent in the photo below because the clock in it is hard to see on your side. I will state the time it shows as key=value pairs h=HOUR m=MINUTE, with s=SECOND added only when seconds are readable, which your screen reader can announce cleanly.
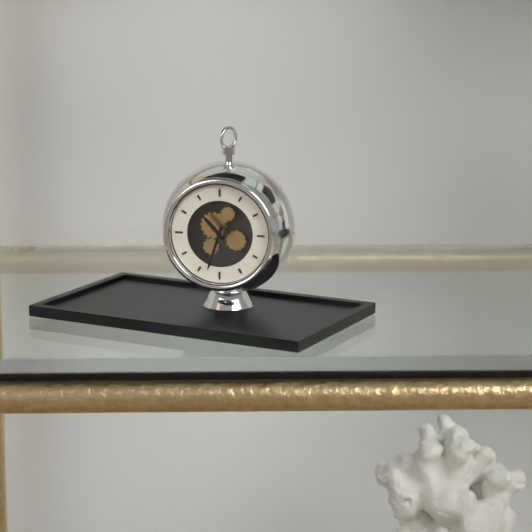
h=10 m=33
